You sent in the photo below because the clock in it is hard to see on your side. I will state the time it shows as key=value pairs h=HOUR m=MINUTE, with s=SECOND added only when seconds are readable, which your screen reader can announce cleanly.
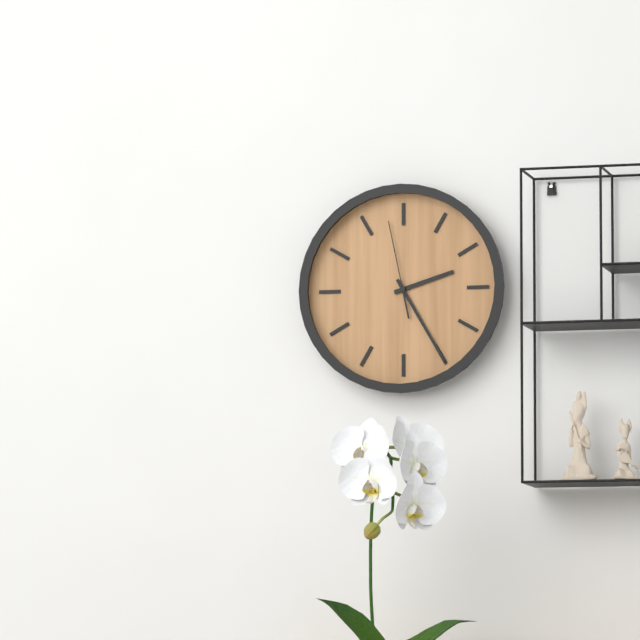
h=2 m=25 s=58
